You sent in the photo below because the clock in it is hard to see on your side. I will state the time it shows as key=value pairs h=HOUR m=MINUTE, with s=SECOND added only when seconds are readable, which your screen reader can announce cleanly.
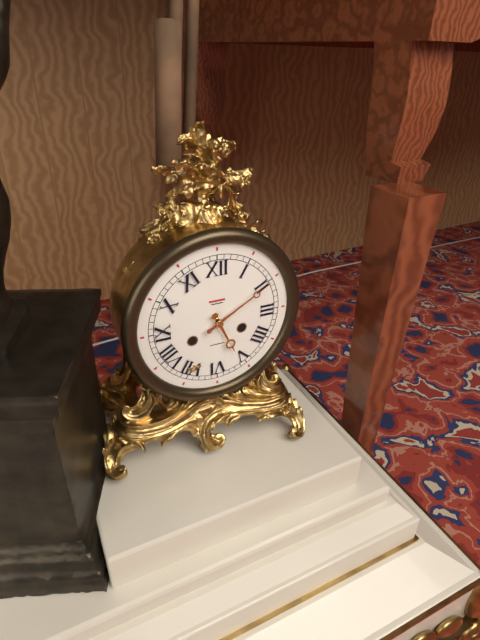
h=5 m=10
